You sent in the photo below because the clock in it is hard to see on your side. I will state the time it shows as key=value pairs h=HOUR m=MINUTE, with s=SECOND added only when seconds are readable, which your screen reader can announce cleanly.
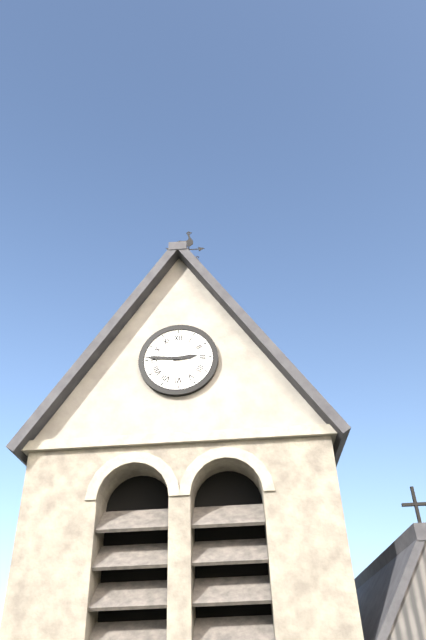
h=2 m=46
